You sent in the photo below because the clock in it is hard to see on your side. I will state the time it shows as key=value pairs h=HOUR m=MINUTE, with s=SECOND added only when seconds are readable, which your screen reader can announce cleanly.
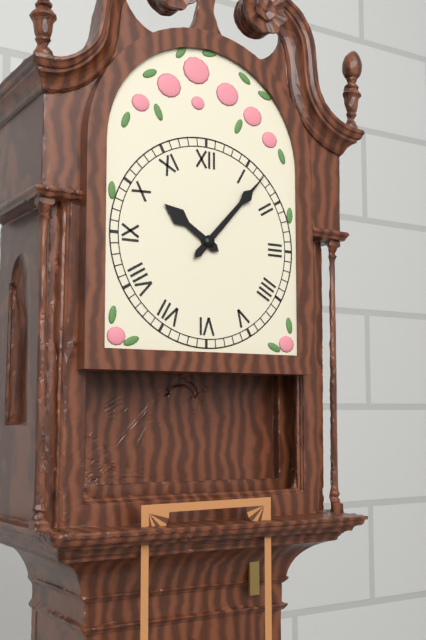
h=10 m=7
